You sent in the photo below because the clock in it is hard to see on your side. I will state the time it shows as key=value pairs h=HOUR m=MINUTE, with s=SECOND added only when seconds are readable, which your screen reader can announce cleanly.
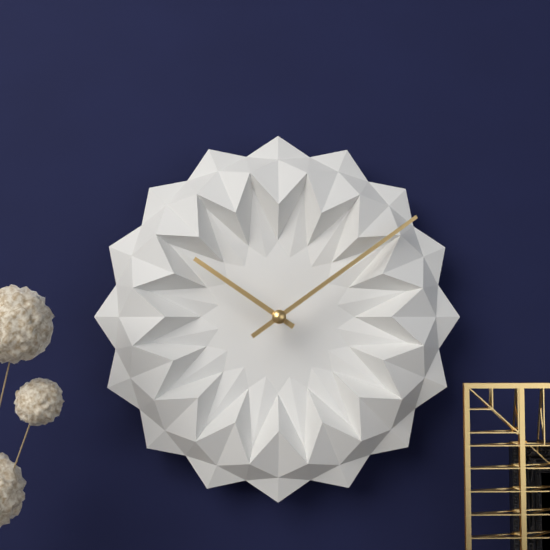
h=10 m=9
